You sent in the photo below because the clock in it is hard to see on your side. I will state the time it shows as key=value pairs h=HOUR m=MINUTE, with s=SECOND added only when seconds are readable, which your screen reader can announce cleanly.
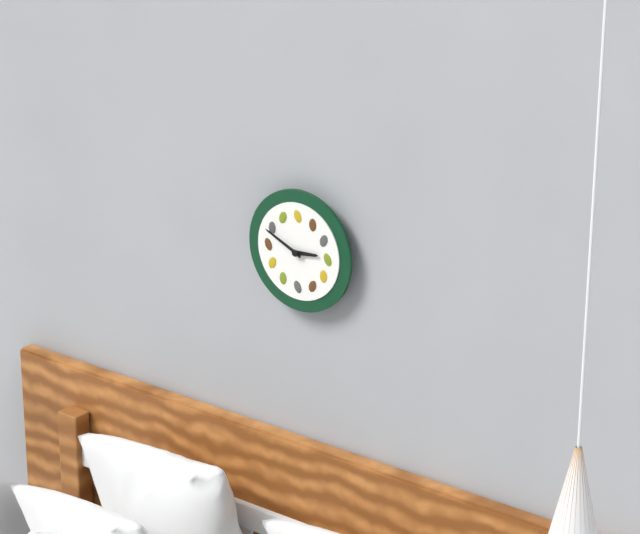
h=2 m=49
